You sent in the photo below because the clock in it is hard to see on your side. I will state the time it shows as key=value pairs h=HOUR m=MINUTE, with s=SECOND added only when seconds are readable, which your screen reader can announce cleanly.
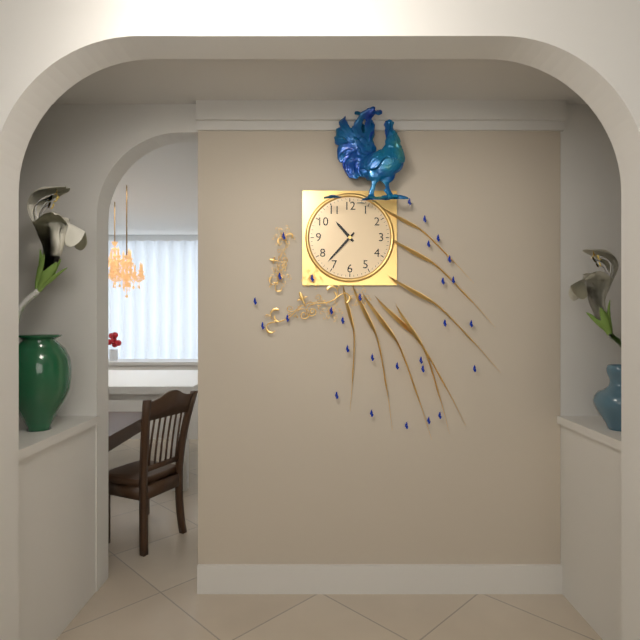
h=10 m=37
